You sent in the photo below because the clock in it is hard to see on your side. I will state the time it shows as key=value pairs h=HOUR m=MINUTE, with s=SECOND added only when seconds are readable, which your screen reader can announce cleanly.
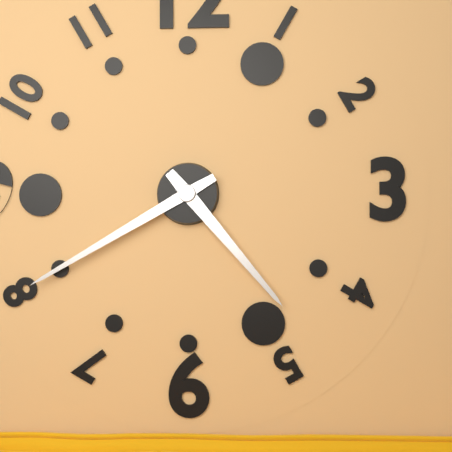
h=4 m=40
